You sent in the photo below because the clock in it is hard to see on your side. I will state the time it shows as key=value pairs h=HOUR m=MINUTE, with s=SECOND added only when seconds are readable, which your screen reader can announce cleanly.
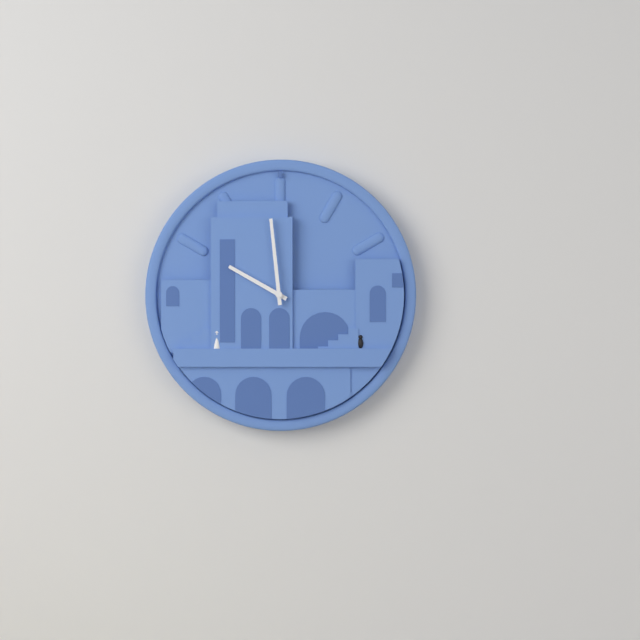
h=9 m=59
